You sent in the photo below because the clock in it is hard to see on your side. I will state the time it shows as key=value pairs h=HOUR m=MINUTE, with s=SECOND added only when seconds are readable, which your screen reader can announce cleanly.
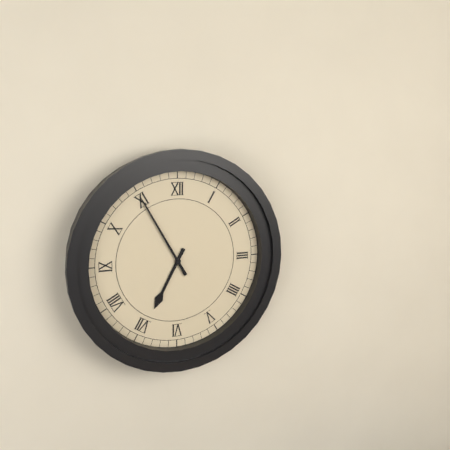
h=6 m=55
